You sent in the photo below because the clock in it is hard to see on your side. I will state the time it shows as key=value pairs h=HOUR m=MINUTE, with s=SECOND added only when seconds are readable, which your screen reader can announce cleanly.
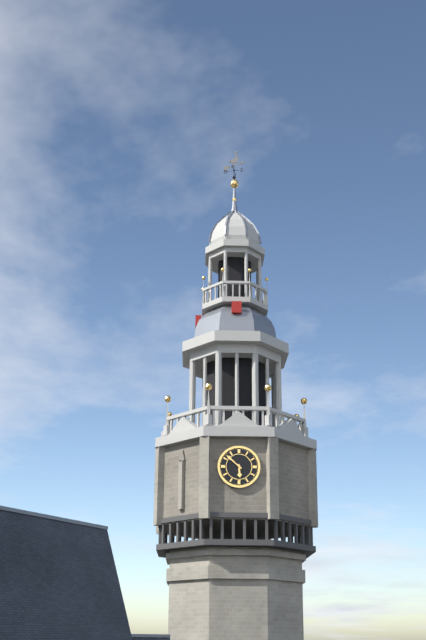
h=5 m=52
